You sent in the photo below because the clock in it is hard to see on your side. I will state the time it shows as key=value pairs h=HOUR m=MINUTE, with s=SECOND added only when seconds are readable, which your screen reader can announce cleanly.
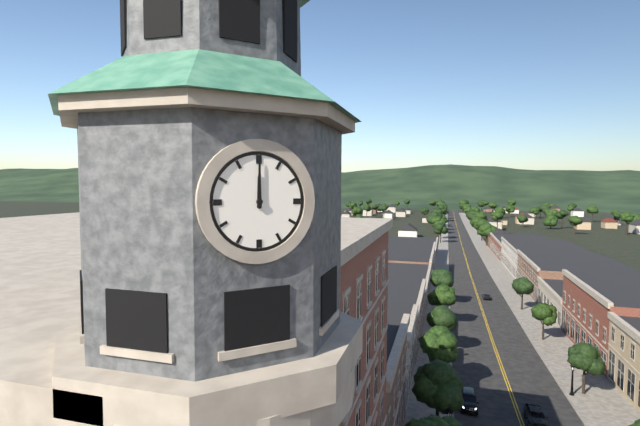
h=12 m=0
